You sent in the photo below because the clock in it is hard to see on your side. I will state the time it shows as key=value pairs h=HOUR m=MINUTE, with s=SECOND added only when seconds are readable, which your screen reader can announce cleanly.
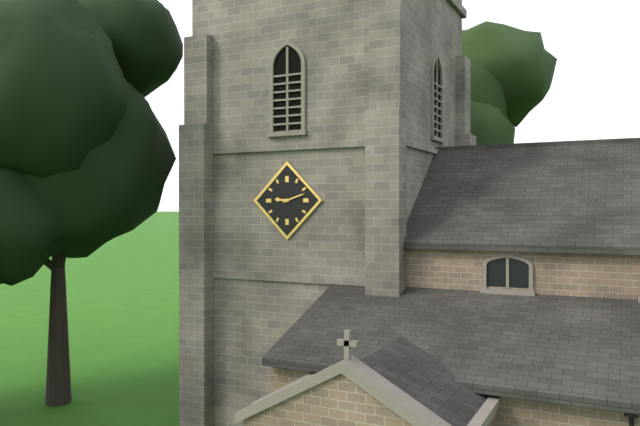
h=9 m=12
